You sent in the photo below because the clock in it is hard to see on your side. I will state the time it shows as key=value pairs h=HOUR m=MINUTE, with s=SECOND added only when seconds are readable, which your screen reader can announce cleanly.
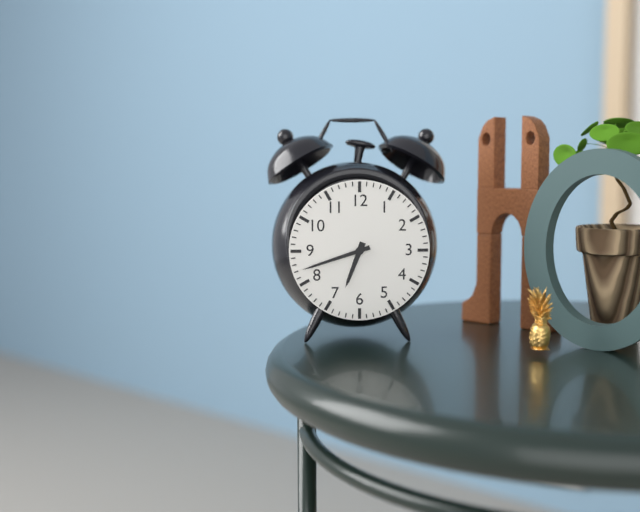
h=6 m=42
